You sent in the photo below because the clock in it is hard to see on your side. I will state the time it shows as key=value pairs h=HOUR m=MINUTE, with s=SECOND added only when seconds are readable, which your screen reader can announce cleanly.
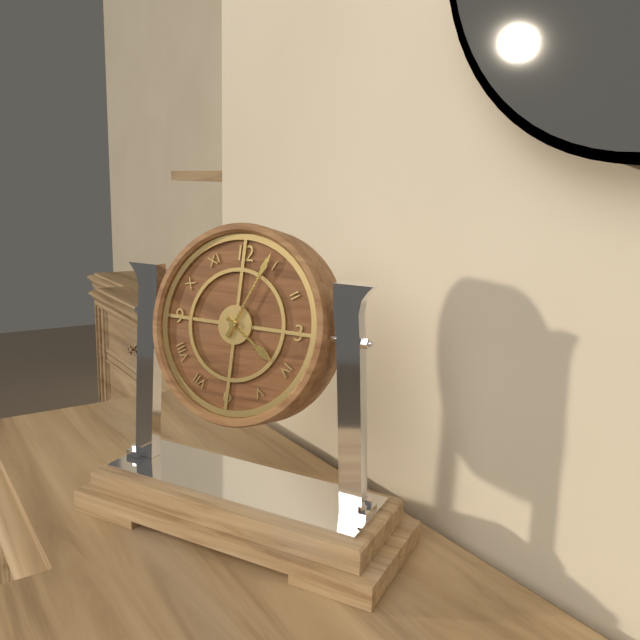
h=4 m=4
